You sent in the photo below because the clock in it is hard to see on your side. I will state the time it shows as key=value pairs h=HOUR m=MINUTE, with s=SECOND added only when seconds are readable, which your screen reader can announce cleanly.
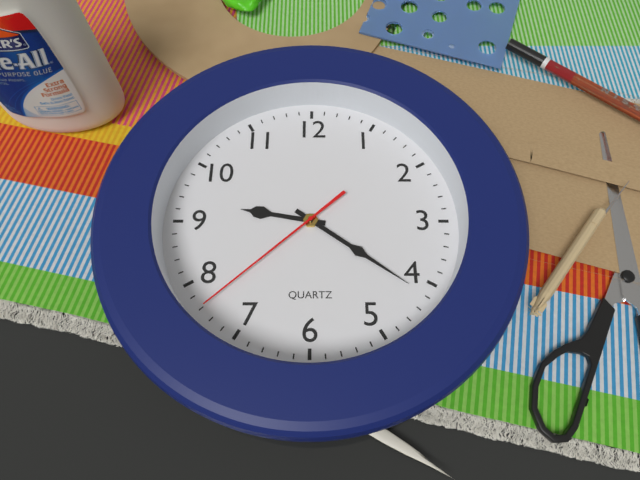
h=9 m=21 s=38
